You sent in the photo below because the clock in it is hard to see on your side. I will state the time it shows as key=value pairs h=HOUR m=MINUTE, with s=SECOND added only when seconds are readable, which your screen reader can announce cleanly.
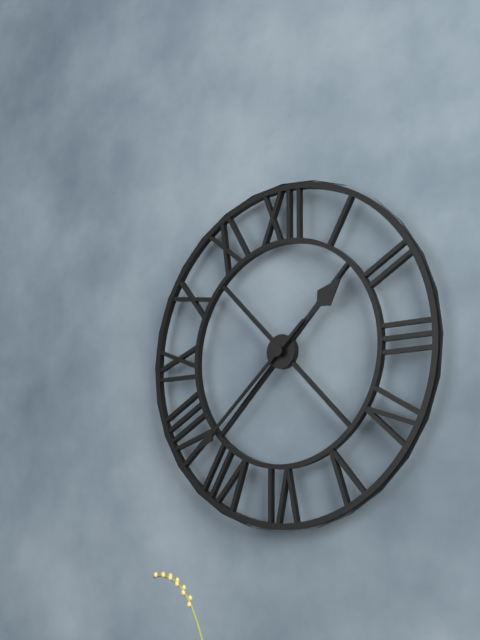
h=1 m=38
